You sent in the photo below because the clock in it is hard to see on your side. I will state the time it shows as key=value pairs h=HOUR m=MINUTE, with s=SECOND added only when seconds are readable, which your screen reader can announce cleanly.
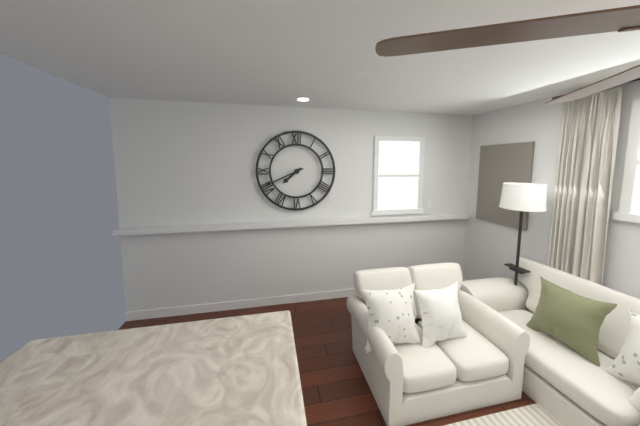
h=7 m=41
